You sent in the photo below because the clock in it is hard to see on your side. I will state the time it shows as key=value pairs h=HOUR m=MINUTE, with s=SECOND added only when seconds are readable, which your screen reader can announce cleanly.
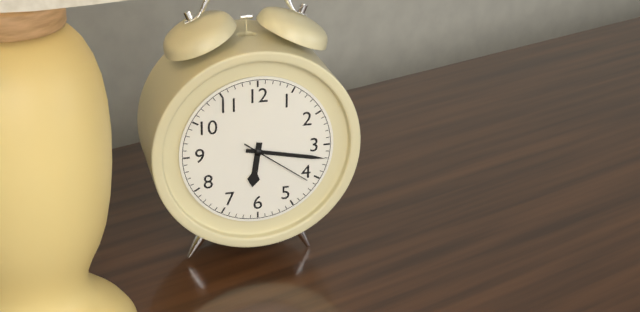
h=6 m=17 s=21
